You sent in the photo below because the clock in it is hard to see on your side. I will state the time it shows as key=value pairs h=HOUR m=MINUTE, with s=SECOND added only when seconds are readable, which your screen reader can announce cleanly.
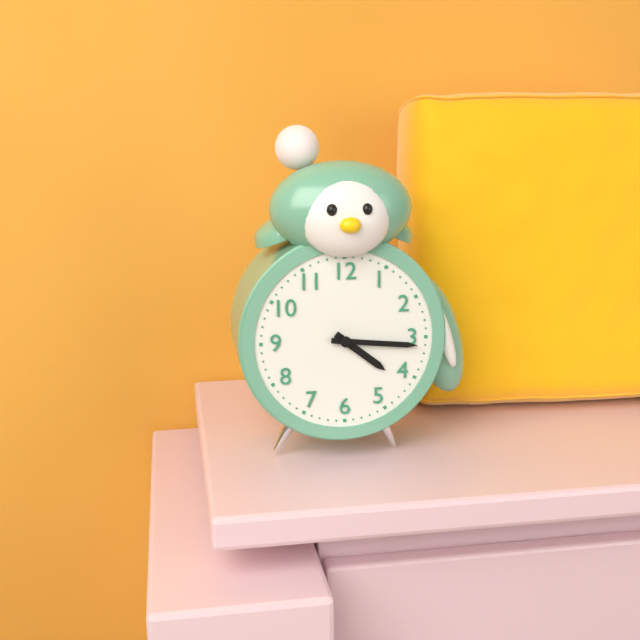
h=4 m=16
